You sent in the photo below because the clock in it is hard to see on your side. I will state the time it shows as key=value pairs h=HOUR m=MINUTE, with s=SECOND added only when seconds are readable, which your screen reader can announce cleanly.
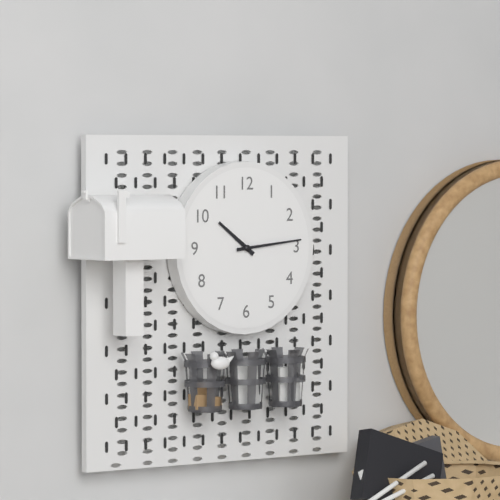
h=10 m=14
